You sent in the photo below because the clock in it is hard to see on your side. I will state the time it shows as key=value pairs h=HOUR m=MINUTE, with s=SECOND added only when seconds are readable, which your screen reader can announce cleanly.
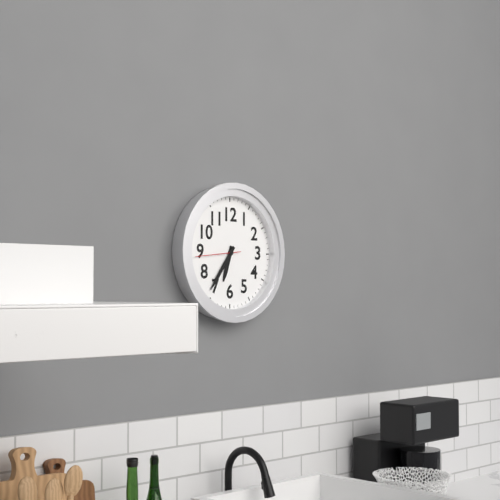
h=6 m=36
